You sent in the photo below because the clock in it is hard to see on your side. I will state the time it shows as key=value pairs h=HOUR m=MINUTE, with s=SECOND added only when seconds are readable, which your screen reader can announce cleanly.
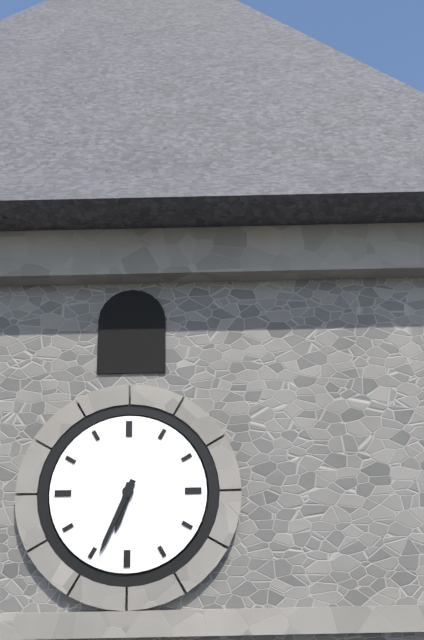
h=6 m=34
